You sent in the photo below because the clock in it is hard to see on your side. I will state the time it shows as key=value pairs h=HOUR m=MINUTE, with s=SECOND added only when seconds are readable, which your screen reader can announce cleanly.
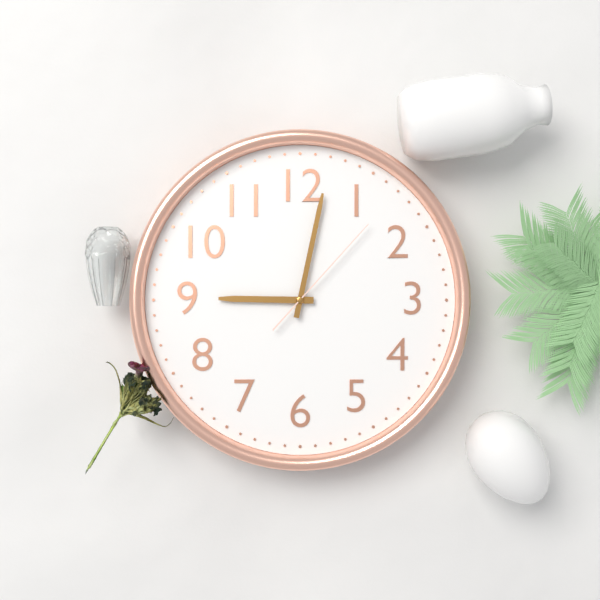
h=9 m=2 s=7
